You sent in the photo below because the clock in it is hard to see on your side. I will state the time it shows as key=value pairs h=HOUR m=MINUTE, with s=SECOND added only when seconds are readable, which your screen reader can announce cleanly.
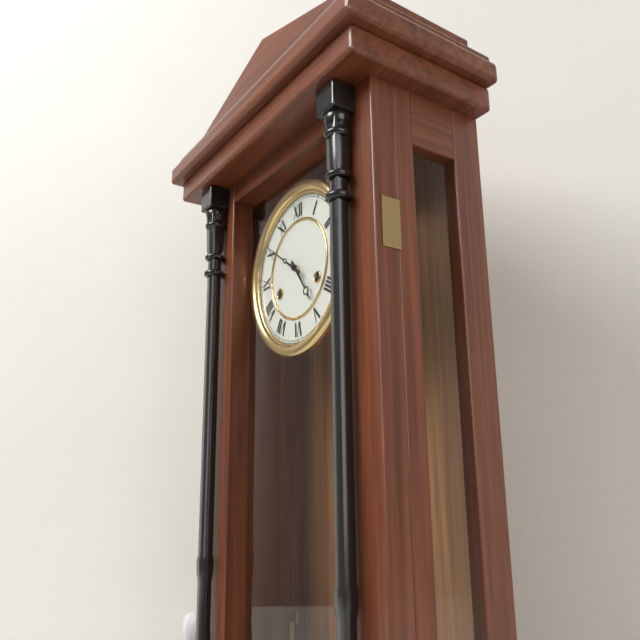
h=4 m=51
